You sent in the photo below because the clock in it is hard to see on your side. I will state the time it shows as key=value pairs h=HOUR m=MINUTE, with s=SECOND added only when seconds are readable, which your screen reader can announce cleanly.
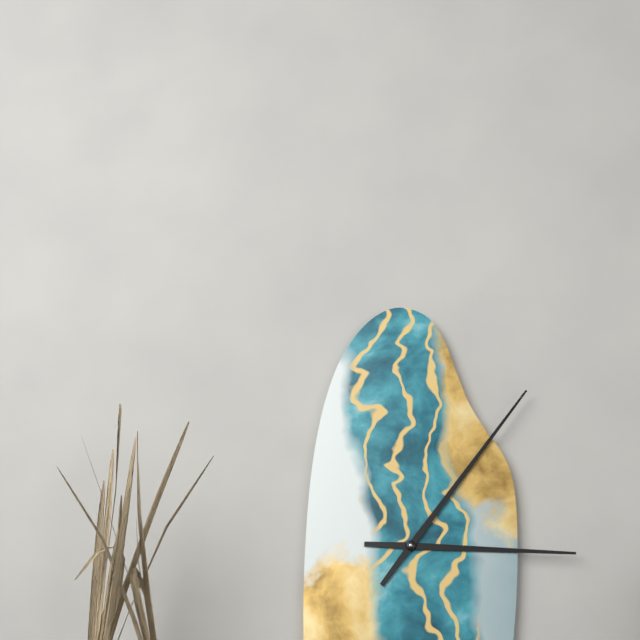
h=3 m=6
